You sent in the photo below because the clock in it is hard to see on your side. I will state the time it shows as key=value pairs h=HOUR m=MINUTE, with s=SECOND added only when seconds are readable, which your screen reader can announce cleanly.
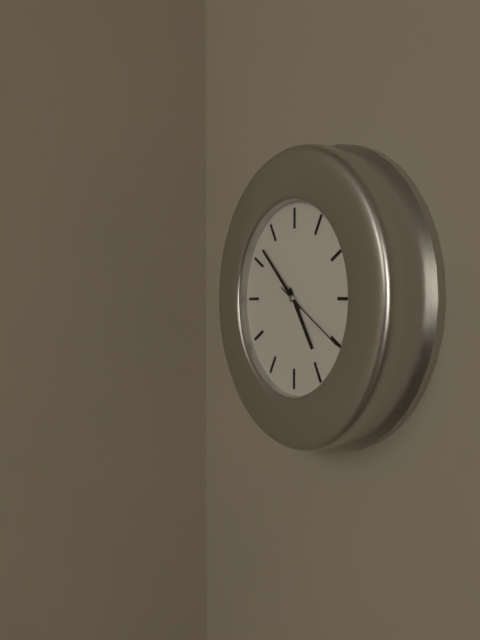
h=4 m=52 s=20
